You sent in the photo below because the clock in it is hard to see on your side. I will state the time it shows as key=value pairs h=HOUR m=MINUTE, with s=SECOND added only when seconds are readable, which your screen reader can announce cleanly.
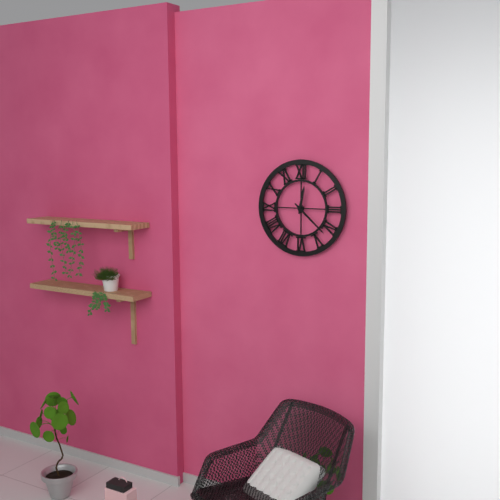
h=12 m=22
